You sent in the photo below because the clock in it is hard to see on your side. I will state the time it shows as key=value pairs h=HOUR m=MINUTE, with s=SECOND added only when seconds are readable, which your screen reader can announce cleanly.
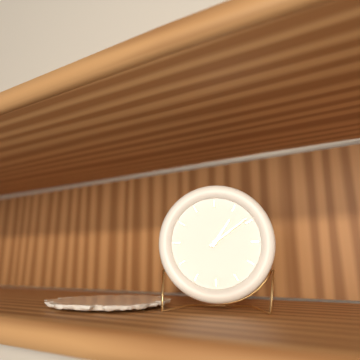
h=1 m=9
